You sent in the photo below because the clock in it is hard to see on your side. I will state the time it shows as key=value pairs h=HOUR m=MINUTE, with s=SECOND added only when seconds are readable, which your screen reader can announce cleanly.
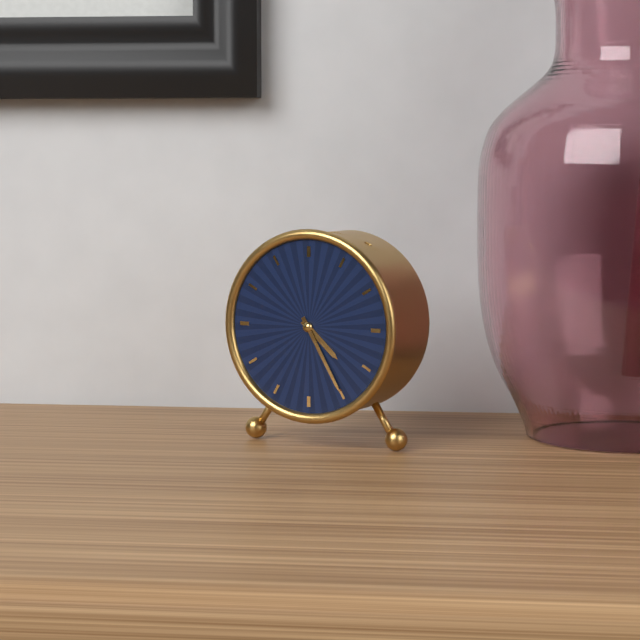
h=4 m=25
